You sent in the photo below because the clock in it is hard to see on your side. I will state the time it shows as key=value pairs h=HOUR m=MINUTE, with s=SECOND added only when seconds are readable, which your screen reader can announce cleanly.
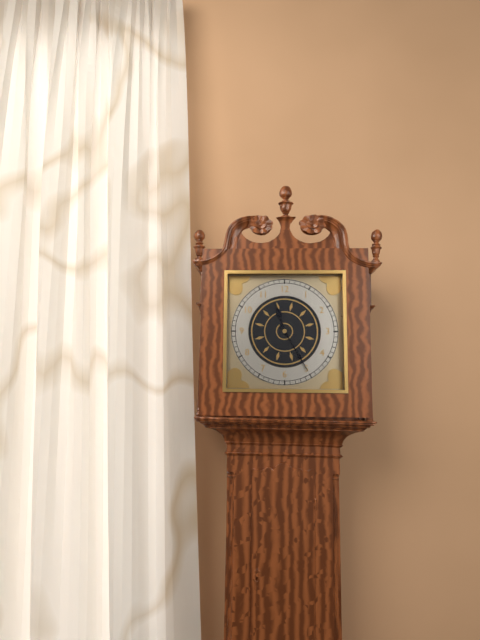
h=11 m=25
